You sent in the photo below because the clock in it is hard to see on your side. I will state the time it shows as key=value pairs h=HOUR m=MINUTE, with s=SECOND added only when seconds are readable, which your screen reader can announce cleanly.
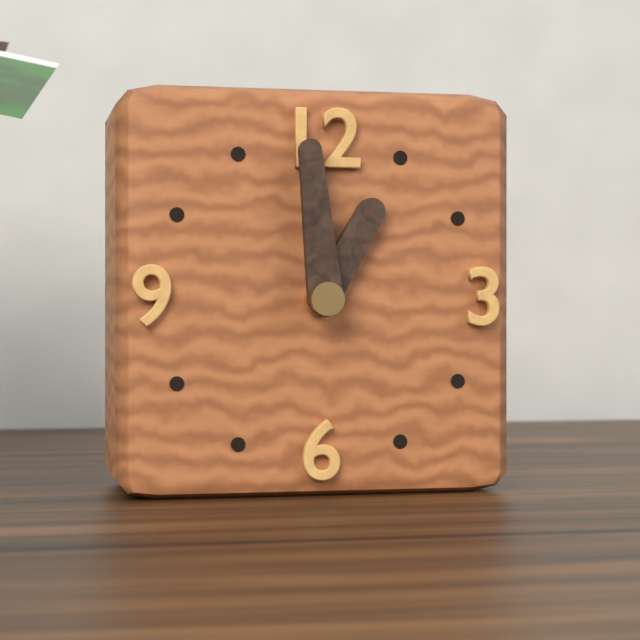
h=12 m=59
